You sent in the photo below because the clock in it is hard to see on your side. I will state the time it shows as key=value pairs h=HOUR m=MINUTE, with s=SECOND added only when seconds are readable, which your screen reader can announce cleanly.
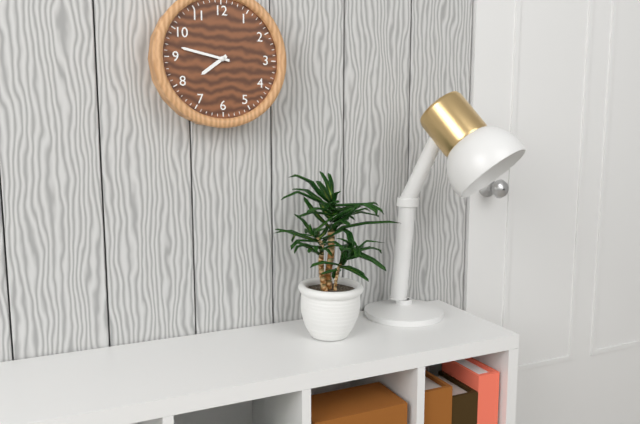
h=7 m=47
